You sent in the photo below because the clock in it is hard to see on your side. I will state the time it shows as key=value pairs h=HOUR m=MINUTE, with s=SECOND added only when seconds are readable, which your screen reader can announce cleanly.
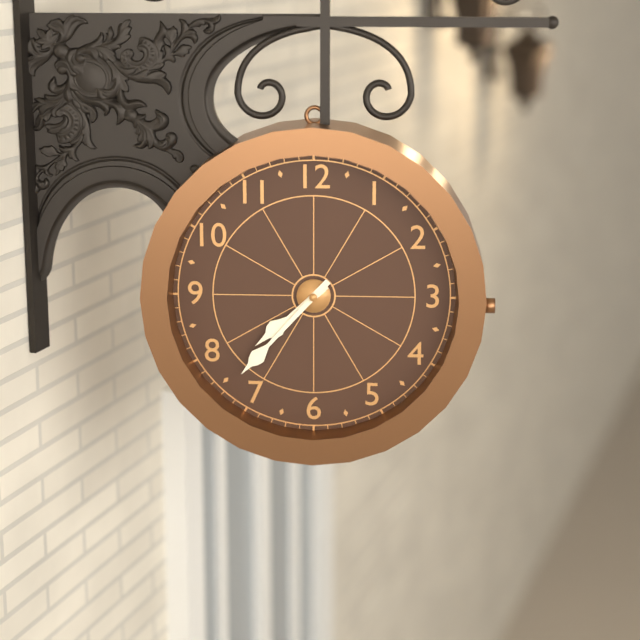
h=7 m=37
